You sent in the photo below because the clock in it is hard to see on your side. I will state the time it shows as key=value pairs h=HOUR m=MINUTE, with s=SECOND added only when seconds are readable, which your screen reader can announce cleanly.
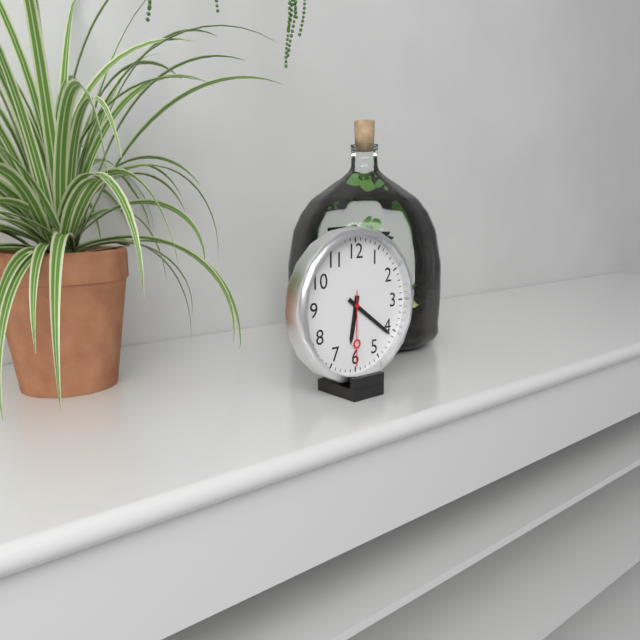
h=6 m=21 s=30
